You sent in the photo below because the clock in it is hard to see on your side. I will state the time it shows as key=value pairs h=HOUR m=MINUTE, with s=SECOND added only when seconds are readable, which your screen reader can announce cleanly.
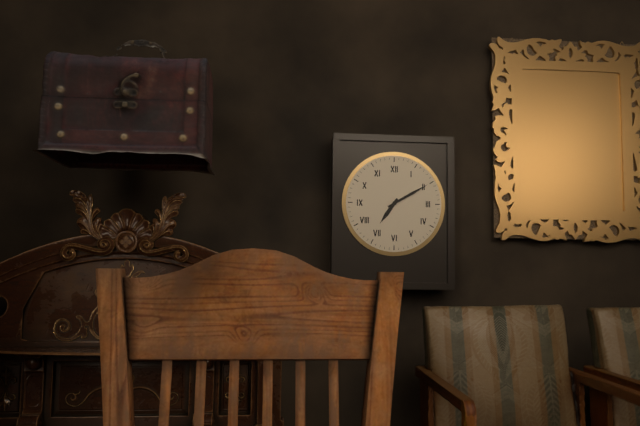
h=7 m=10
